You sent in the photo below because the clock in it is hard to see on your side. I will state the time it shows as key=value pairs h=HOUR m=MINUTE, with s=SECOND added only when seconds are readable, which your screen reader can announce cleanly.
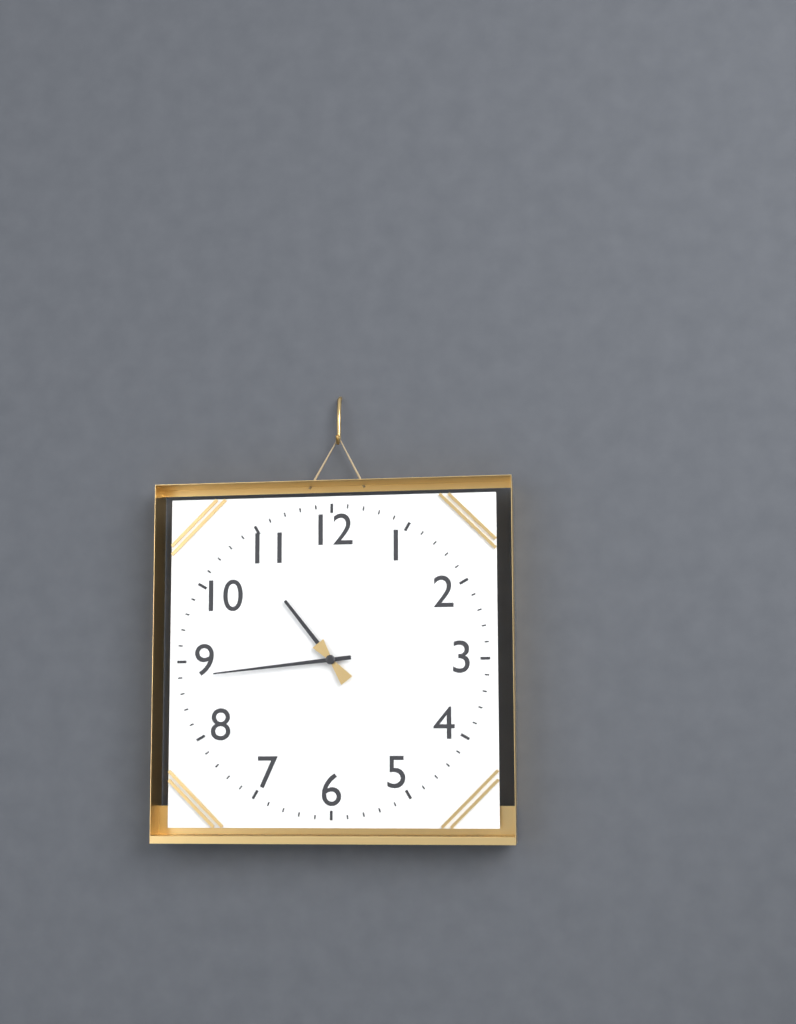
h=10 m=44
